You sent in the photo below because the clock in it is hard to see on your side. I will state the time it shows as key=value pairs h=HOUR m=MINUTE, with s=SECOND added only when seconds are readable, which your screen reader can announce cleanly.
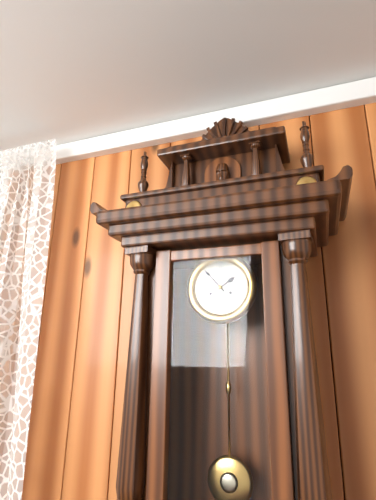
h=1 m=53
